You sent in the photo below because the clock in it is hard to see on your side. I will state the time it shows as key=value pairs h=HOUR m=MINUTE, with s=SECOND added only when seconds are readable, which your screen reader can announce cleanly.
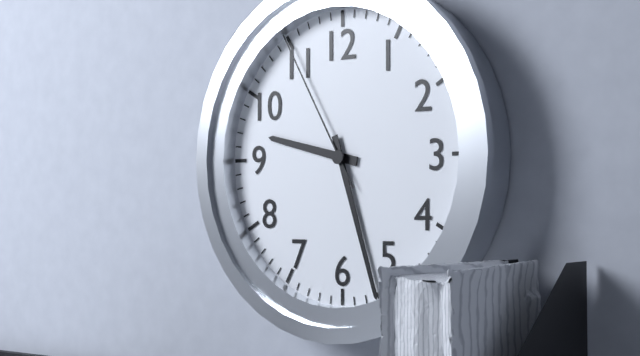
h=9 m=27 s=55
